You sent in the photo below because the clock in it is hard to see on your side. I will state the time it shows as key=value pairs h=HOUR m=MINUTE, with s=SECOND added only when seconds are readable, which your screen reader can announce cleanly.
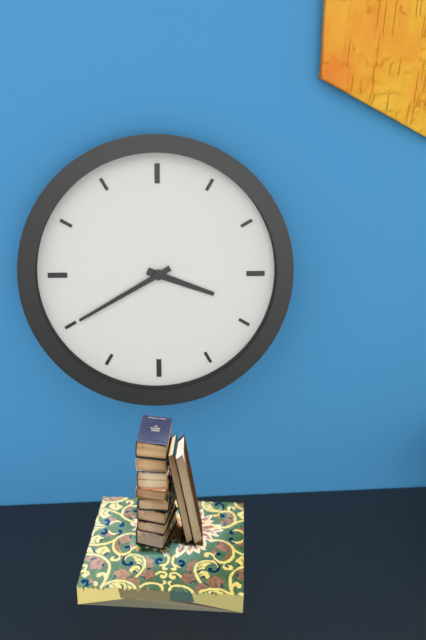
h=3 m=40
